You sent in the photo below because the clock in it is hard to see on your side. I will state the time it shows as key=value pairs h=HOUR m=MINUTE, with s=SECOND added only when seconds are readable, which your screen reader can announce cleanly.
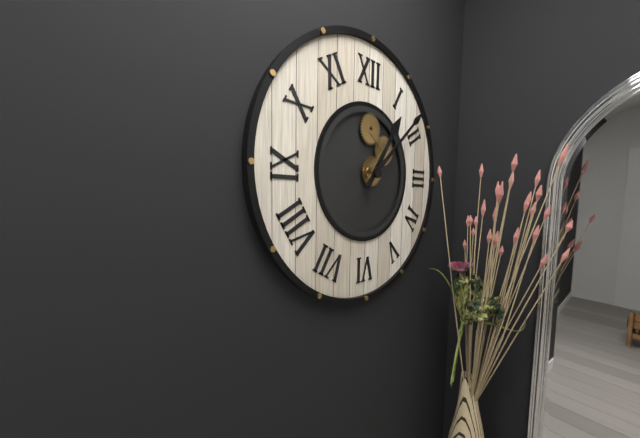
h=1 m=8
